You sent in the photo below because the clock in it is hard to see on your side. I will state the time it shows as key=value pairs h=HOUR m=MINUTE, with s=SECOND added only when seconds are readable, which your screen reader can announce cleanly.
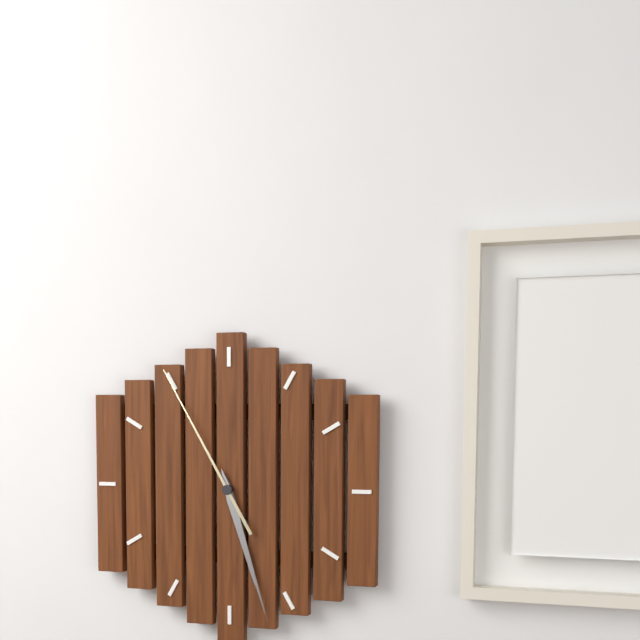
h=5 m=27 s=55
